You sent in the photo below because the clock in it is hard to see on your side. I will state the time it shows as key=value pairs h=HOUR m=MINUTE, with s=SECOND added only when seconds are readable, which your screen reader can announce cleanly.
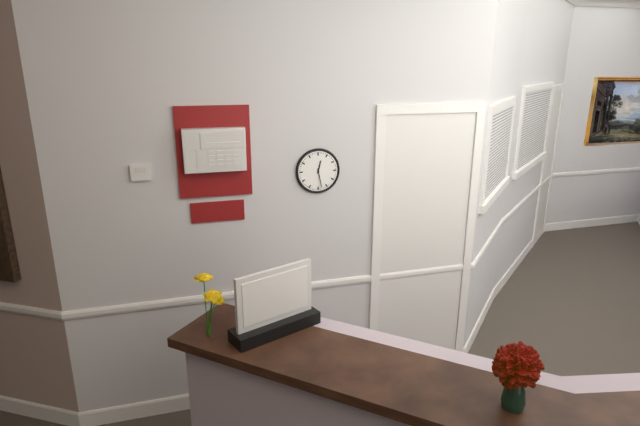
h=12 m=28
